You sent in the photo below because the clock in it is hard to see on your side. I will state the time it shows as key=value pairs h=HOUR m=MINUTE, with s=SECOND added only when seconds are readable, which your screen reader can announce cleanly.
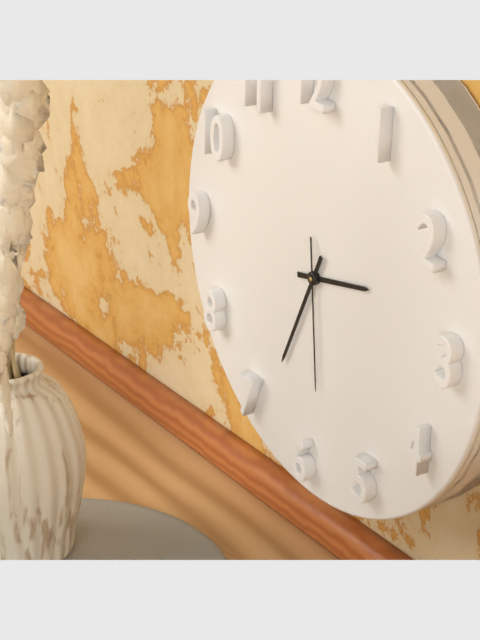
h=2 m=34 s=29
